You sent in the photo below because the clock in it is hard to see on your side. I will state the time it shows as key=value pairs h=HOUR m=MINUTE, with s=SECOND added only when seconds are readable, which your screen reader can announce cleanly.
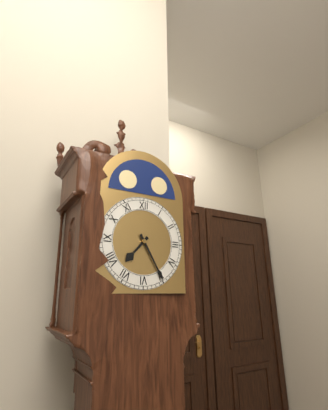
h=7 m=25
